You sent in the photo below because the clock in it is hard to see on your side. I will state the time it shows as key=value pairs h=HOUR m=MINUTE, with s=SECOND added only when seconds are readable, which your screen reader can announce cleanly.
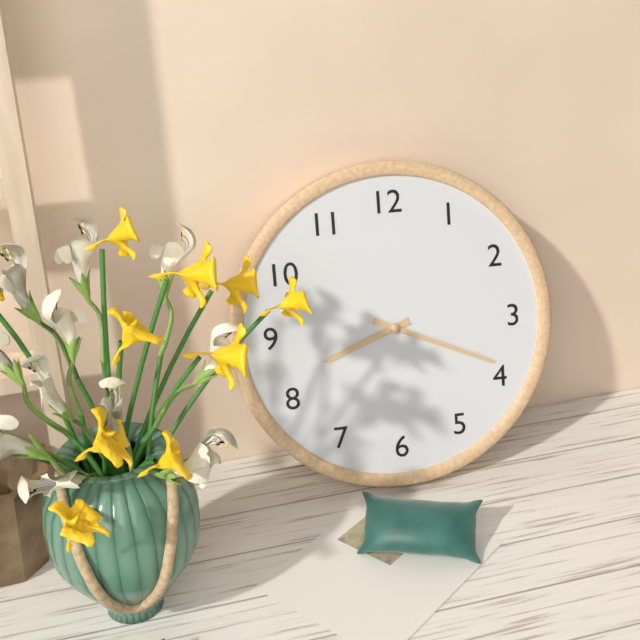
h=8 m=19
